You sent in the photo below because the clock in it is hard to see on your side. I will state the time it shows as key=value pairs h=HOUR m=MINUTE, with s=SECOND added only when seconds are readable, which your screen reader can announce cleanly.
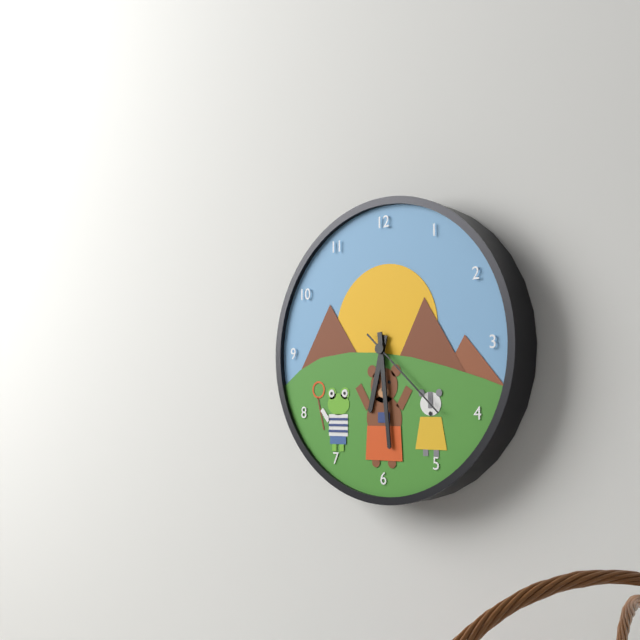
h=6 m=29 s=22
